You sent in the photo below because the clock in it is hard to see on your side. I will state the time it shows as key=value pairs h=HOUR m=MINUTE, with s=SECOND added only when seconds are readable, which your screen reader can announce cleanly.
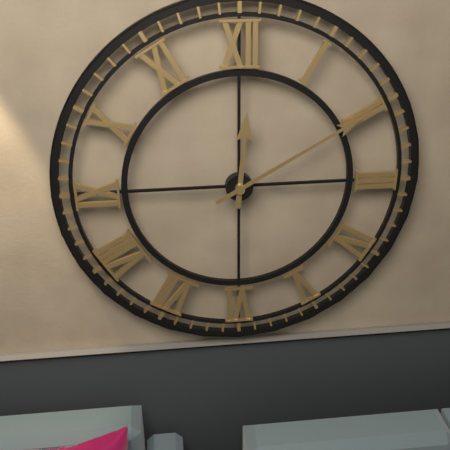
h=12 m=10
